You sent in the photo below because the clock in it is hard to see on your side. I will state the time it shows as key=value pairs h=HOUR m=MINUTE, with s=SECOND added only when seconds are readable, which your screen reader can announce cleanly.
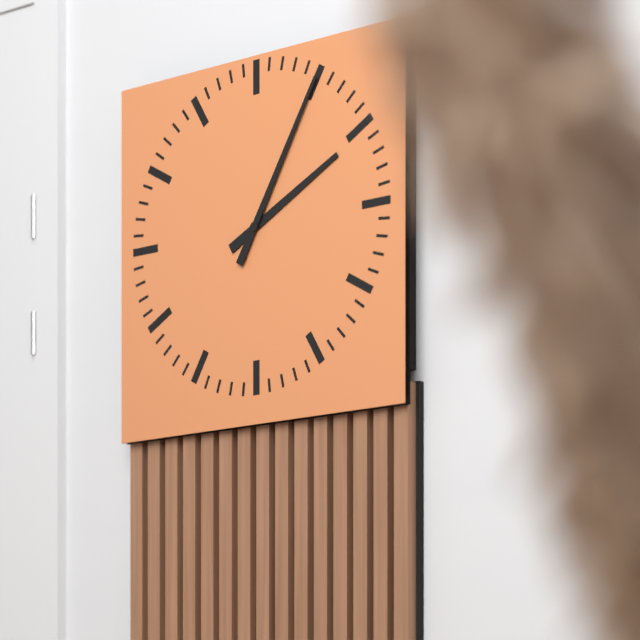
h=2 m=5
